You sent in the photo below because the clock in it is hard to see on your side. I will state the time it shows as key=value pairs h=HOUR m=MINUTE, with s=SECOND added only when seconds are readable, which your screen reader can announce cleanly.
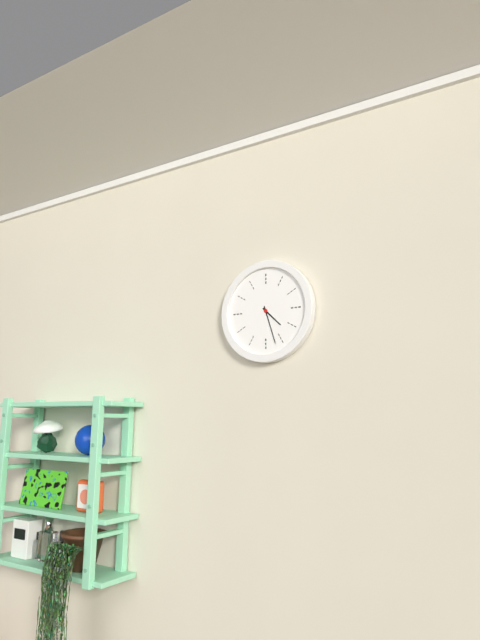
h=4 m=27
